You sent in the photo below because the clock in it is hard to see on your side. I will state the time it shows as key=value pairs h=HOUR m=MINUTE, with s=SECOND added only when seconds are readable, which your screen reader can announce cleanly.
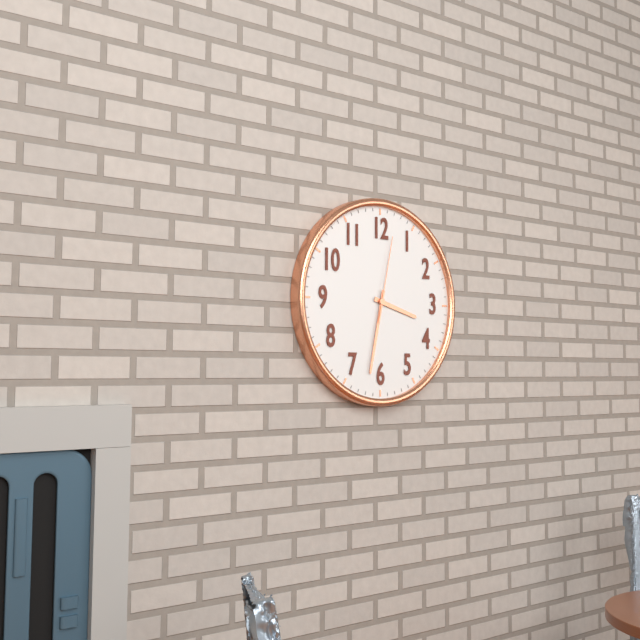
h=3 m=32 s=2
